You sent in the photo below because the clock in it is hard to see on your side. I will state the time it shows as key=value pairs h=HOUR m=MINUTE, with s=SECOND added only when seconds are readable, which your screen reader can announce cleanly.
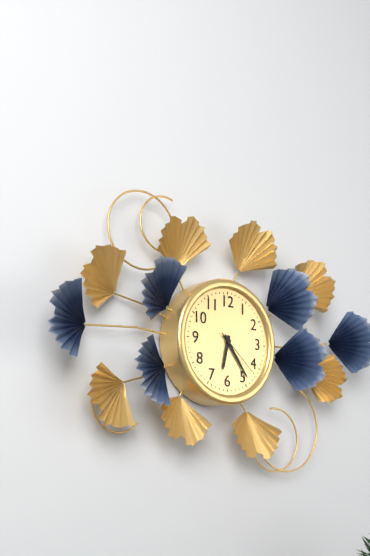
h=6 m=24 s=22
